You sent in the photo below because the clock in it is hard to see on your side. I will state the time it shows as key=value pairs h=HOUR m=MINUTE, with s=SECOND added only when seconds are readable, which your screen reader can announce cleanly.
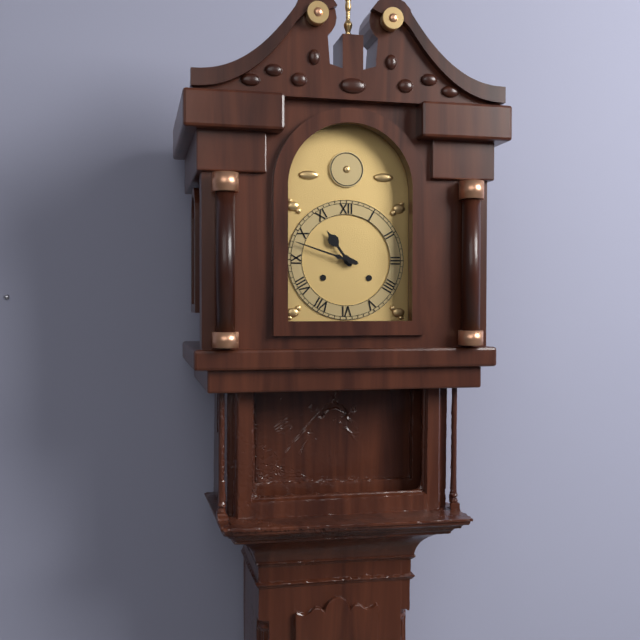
h=10 m=48
